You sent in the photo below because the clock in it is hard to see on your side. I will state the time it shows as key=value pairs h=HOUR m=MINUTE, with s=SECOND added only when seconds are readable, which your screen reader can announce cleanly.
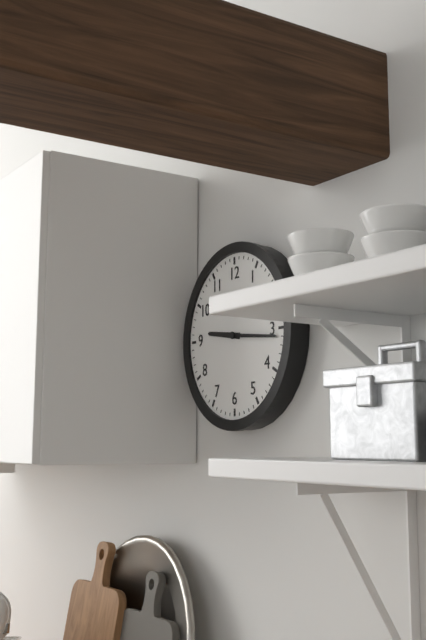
h=9 m=16
